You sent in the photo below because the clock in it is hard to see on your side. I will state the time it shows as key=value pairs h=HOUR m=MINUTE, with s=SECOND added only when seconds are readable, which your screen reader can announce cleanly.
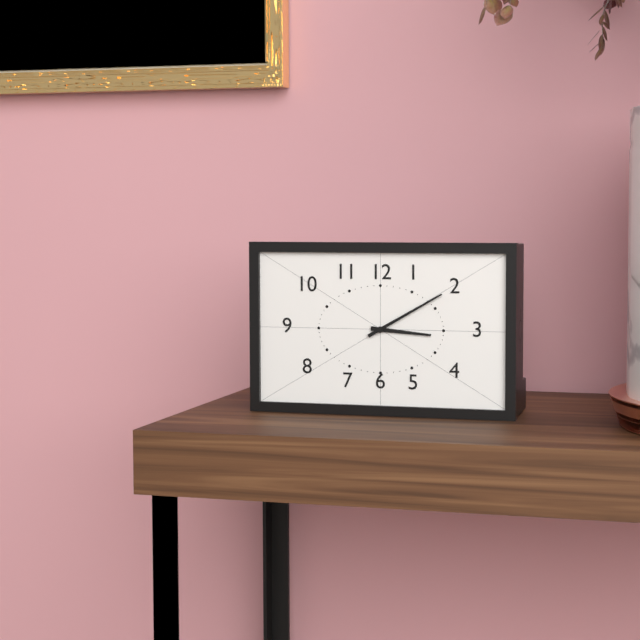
h=3 m=10
